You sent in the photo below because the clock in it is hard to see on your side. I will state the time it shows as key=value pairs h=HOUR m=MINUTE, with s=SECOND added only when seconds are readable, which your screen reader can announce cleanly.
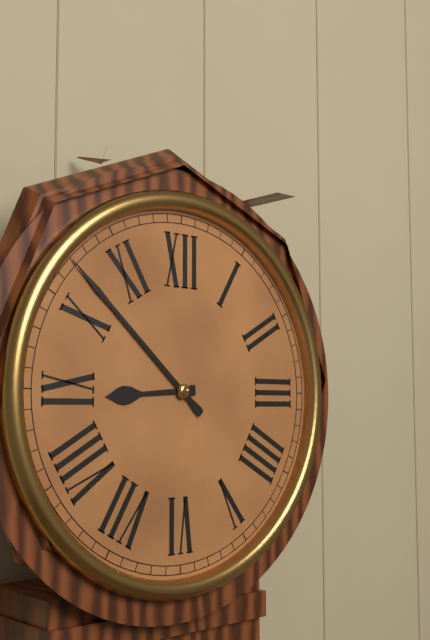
h=8 m=52
